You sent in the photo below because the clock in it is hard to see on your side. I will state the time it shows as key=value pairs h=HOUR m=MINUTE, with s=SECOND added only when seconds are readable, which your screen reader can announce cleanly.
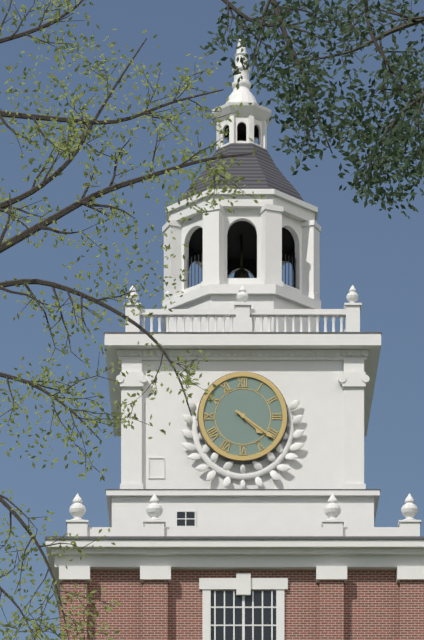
h=4 m=21
